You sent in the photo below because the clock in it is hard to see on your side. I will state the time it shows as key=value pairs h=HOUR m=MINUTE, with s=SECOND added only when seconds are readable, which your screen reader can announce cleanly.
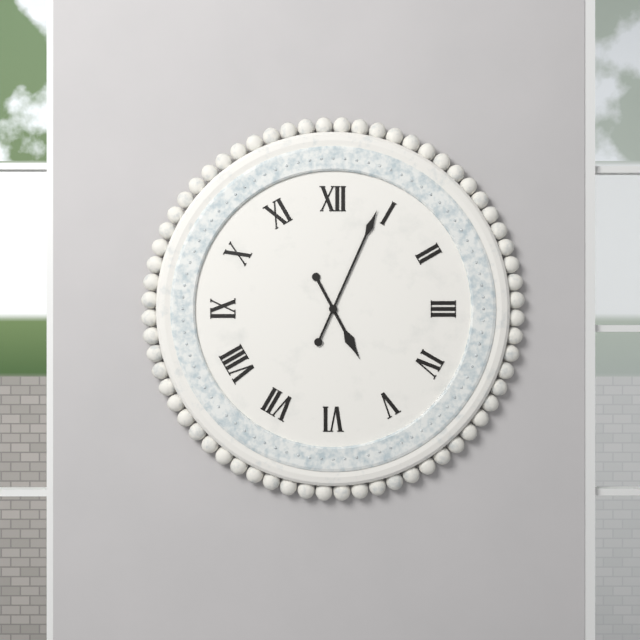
h=5 m=4
